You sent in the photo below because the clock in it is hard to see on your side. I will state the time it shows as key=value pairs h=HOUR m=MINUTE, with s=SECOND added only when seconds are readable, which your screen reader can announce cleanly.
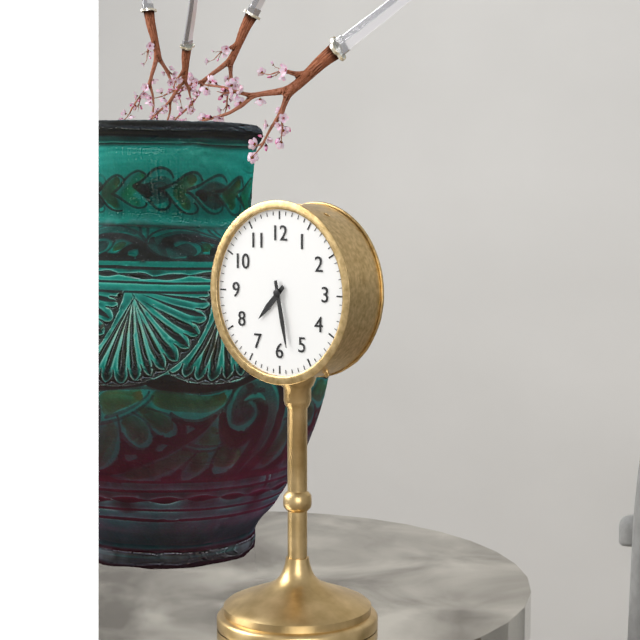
h=7 m=28
